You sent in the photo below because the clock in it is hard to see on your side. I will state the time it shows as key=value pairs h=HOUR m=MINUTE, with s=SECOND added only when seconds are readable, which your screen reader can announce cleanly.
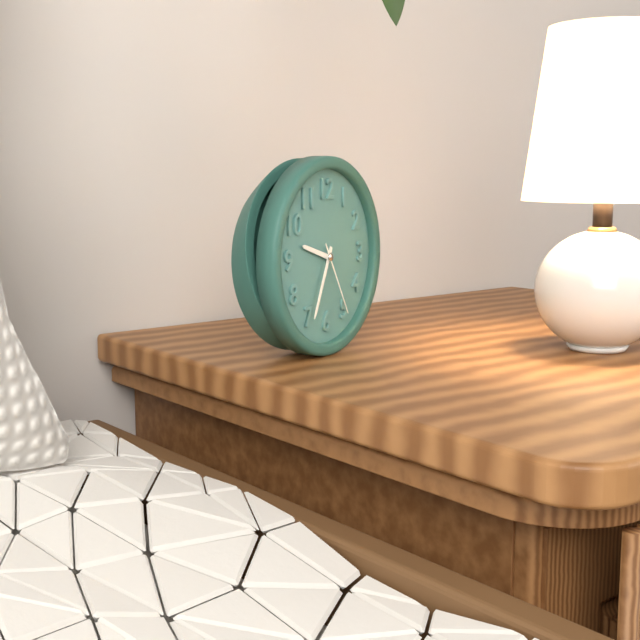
h=9 m=34 s=25
